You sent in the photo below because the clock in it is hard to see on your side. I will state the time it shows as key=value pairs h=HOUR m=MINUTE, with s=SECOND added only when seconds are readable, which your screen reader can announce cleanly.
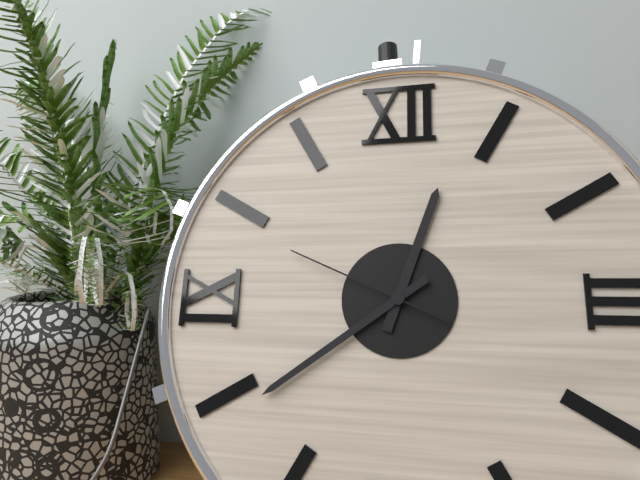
h=12 m=39 s=49
